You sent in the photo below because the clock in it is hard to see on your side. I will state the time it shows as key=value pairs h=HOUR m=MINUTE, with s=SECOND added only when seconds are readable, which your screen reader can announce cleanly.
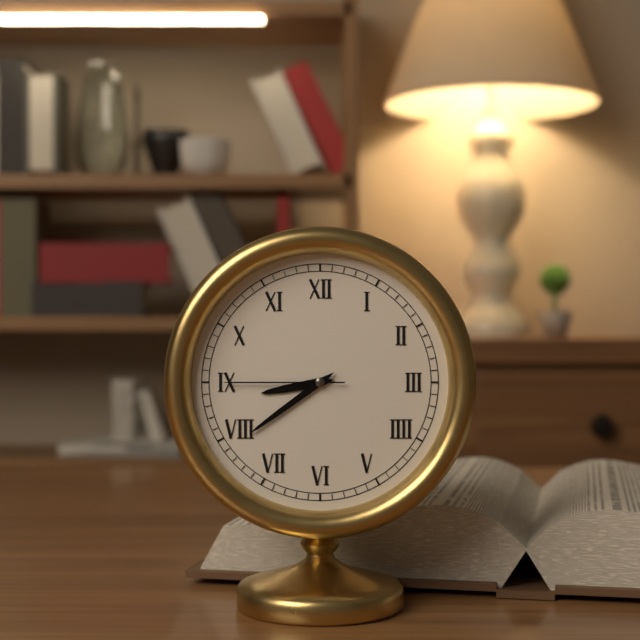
h=8 m=39 s=45
